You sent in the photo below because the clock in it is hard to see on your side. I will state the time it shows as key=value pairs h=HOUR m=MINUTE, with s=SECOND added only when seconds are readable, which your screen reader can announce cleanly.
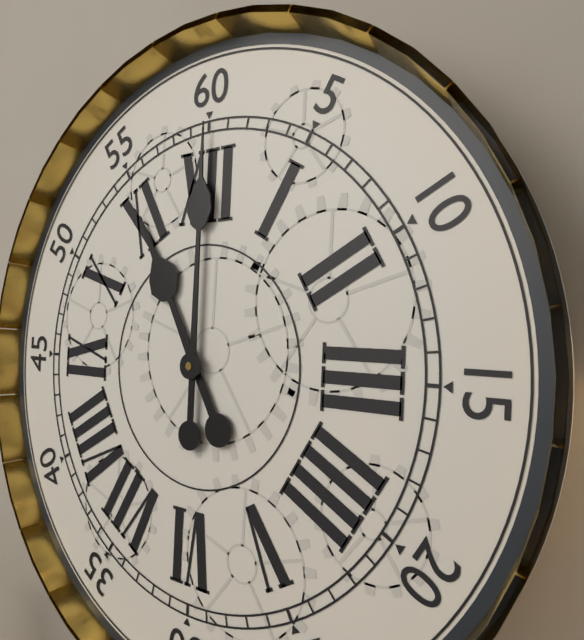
h=11 m=0
